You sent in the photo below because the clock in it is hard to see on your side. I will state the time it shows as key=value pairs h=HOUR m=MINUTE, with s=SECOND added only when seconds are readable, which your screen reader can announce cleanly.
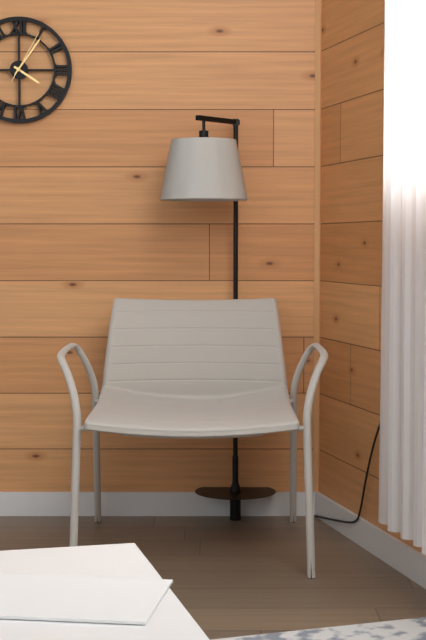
h=4 m=6 s=5
